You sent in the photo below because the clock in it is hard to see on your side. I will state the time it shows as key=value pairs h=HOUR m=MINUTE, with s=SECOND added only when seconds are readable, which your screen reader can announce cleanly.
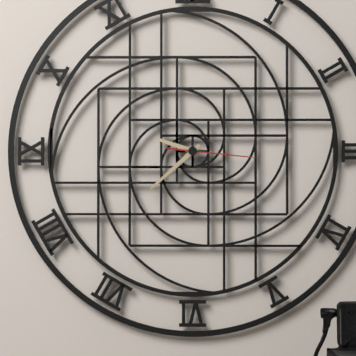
h=9 m=38 s=16
